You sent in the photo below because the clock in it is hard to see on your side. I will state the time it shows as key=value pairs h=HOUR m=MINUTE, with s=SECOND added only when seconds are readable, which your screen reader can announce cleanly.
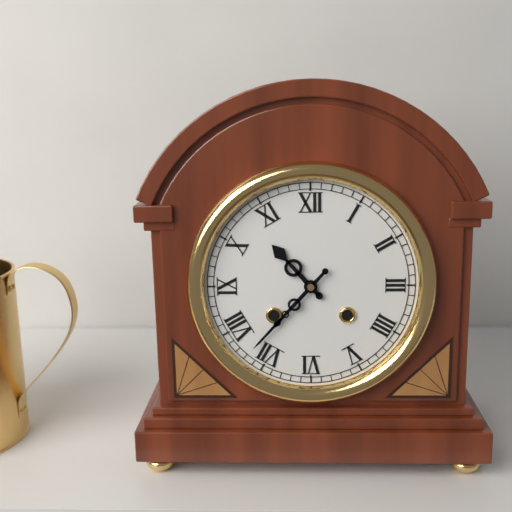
h=10 m=37
